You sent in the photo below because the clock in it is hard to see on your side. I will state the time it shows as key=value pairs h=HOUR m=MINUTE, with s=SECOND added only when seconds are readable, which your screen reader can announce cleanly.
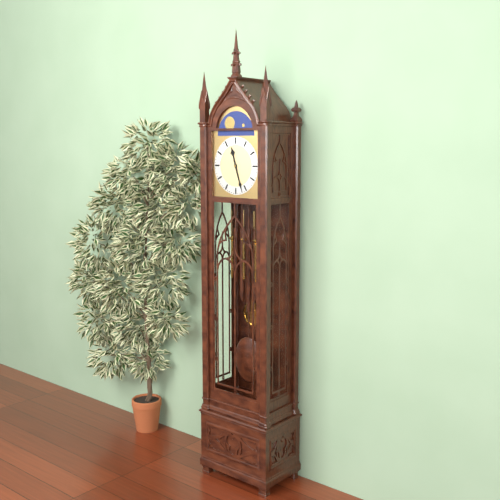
h=11 m=27
